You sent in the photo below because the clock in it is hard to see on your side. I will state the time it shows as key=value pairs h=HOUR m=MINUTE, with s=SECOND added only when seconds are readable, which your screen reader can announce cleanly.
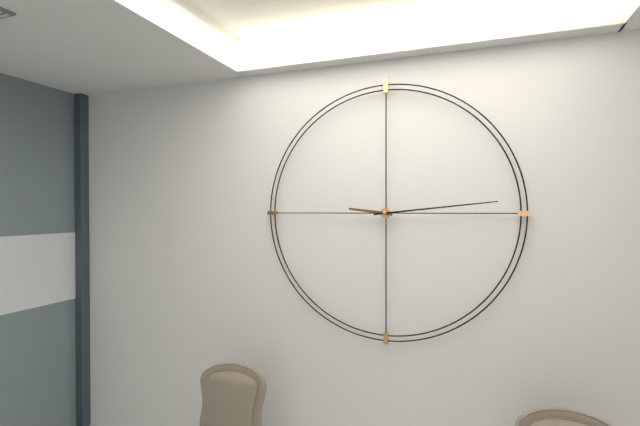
h=9 m=14
